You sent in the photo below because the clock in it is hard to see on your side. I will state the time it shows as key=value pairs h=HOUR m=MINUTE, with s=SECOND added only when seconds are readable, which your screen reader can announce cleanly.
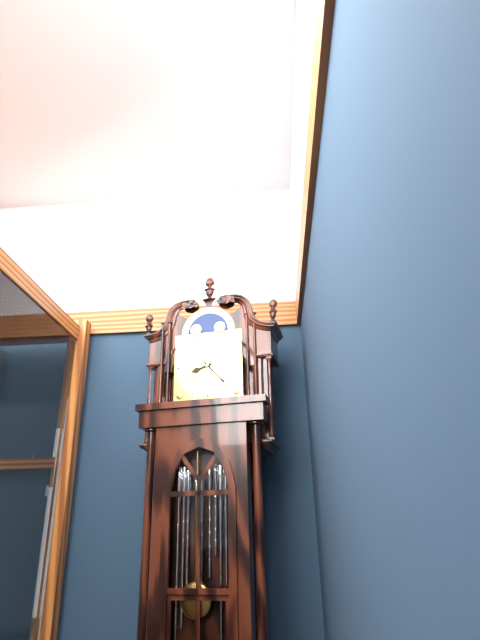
h=8 m=23
